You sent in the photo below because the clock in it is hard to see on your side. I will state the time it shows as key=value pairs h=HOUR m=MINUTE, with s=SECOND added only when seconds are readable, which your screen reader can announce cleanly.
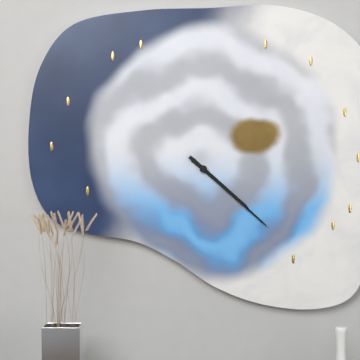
h=4 m=22
